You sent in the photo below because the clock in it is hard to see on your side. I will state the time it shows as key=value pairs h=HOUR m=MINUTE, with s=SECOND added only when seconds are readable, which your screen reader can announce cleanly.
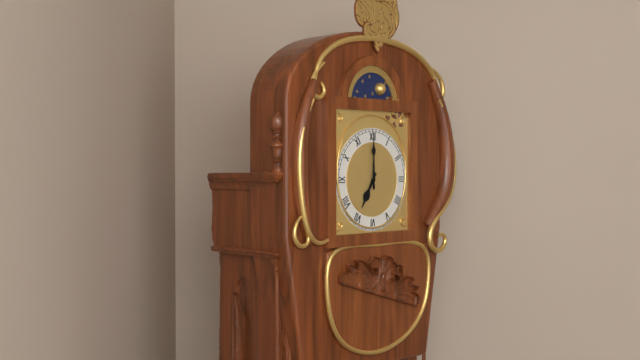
h=7 m=0
